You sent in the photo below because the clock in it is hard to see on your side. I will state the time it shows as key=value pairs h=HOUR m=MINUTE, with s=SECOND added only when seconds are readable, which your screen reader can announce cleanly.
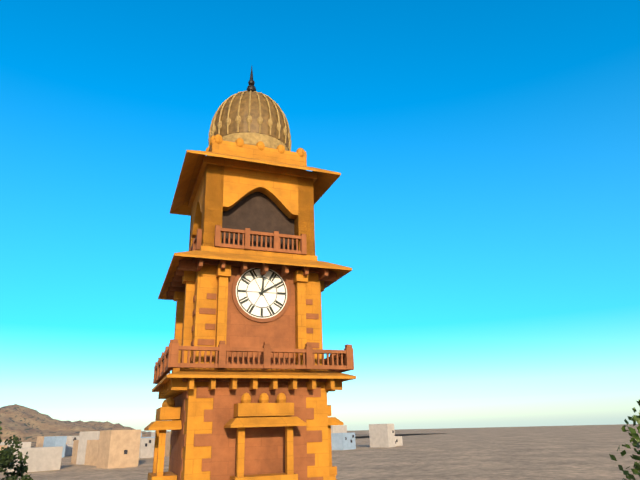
h=12 m=10
